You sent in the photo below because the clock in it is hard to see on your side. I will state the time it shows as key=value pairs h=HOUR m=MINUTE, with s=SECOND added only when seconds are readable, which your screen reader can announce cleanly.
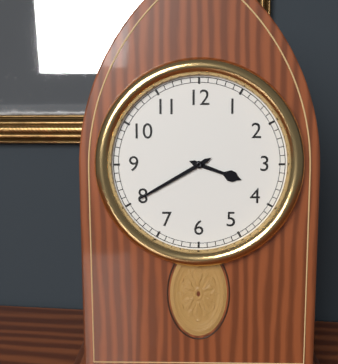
h=3 m=40
